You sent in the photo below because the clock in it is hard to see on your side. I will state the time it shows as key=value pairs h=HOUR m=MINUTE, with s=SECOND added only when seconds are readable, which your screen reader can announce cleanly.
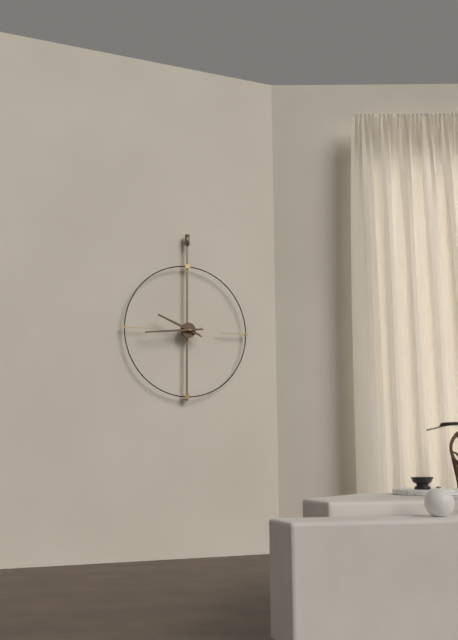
h=9 m=44
